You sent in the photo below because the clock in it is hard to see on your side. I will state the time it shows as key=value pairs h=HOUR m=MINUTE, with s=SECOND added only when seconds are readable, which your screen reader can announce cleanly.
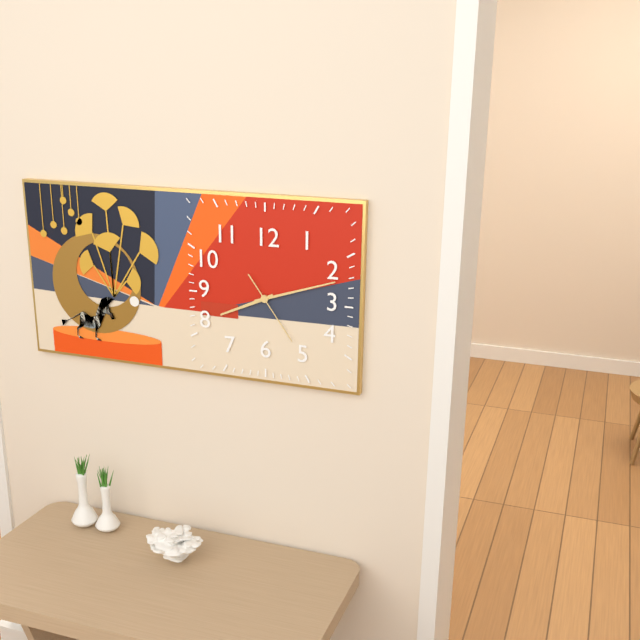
h=8 m=12 s=24
